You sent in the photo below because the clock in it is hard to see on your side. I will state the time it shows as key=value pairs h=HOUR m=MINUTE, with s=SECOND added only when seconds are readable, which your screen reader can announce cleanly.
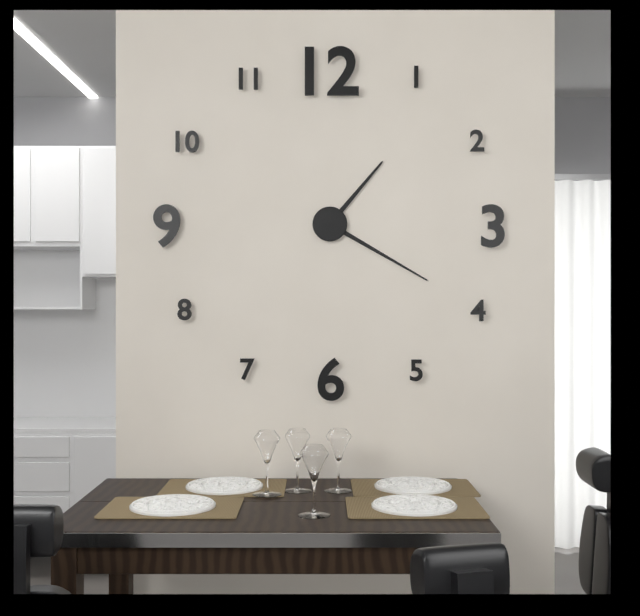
h=1 m=20
